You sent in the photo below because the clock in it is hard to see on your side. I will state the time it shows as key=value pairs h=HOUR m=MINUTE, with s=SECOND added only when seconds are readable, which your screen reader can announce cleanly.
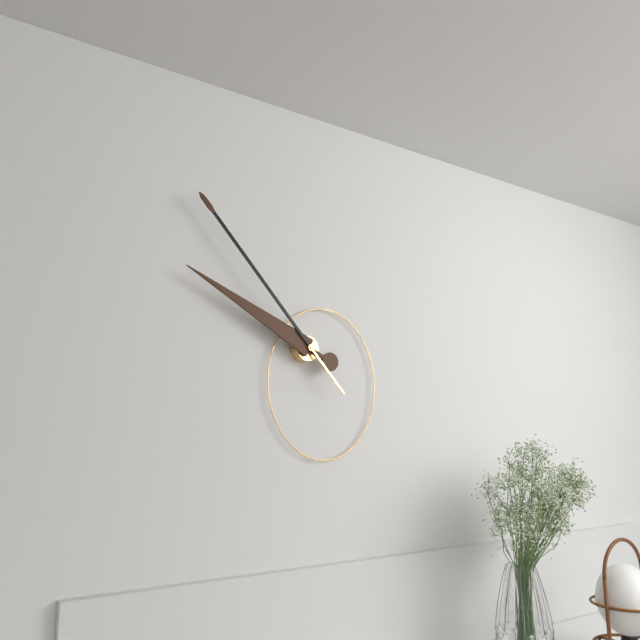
h=9 m=53
